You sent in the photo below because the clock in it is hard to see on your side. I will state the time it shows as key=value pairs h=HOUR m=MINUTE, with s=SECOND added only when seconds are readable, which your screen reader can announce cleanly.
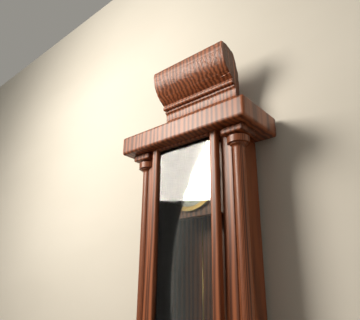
h=6 m=39
